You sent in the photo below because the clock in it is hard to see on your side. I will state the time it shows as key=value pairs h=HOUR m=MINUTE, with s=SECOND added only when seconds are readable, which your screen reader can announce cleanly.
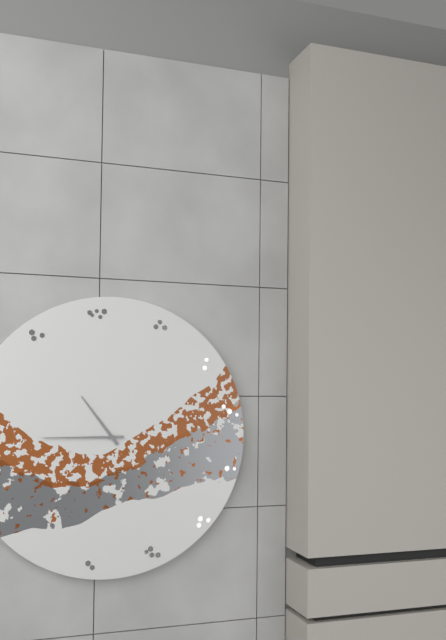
h=10 m=45
